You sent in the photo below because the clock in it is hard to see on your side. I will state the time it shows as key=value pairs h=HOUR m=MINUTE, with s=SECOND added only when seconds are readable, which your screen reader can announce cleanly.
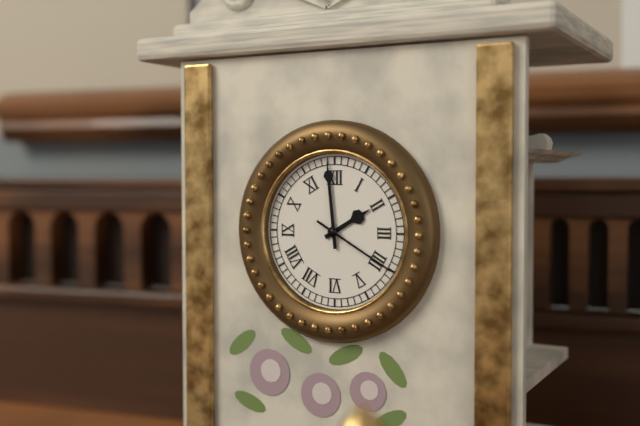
h=1 m=59 s=20
